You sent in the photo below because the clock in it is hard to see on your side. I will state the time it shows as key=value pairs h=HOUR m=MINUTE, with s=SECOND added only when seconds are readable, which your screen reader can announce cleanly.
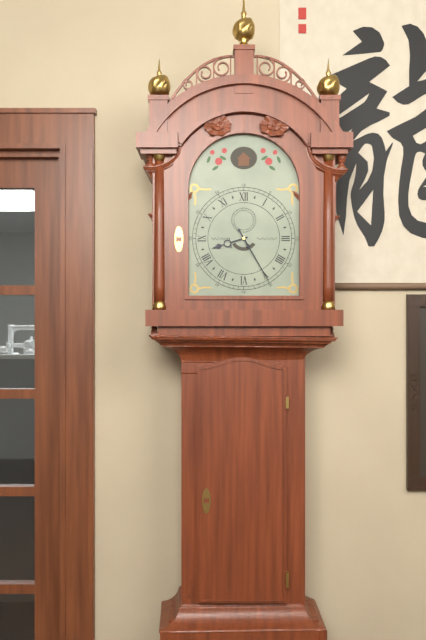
h=8 m=25
